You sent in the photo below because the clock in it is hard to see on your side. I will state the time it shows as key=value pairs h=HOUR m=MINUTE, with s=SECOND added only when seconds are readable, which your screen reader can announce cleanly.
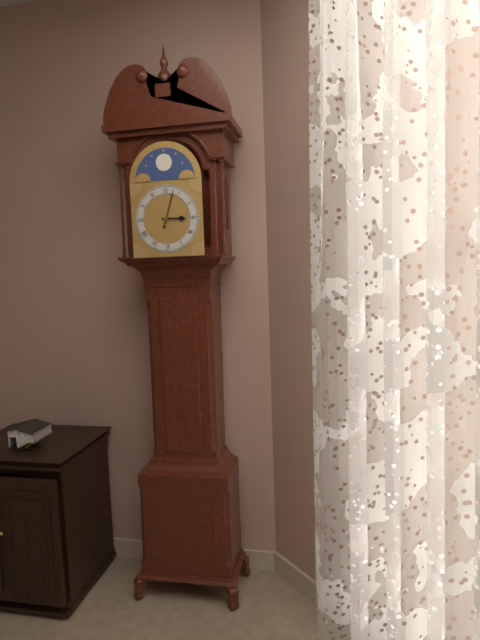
h=3 m=3
